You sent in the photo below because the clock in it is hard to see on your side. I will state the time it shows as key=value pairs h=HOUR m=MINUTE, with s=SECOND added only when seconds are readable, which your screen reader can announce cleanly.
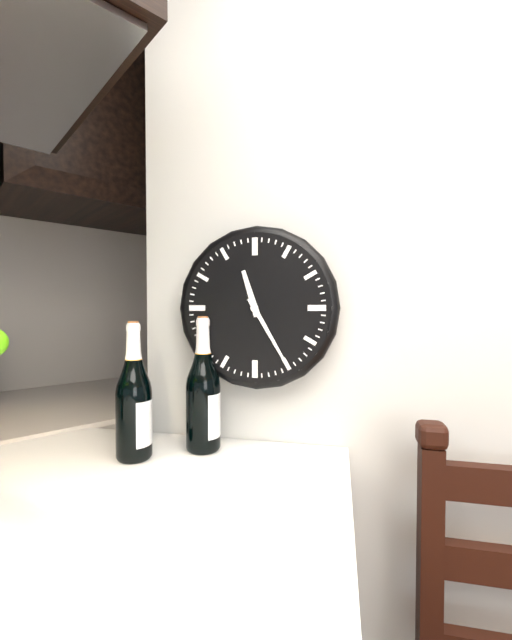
h=11 m=25
